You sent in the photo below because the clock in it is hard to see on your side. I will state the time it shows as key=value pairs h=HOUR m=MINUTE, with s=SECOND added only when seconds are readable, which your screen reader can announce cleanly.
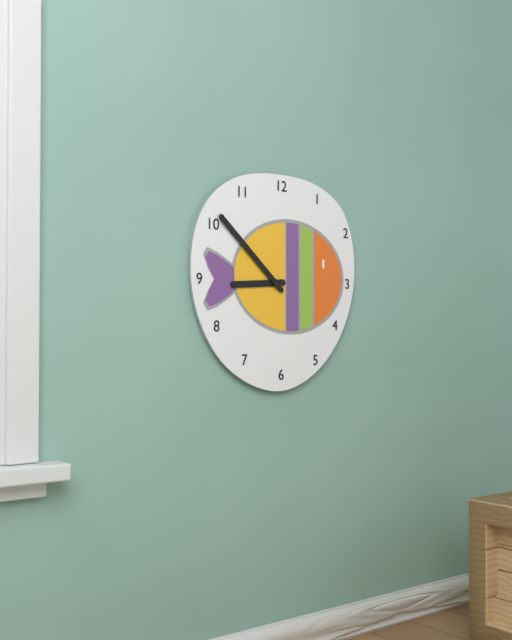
h=8 m=52
